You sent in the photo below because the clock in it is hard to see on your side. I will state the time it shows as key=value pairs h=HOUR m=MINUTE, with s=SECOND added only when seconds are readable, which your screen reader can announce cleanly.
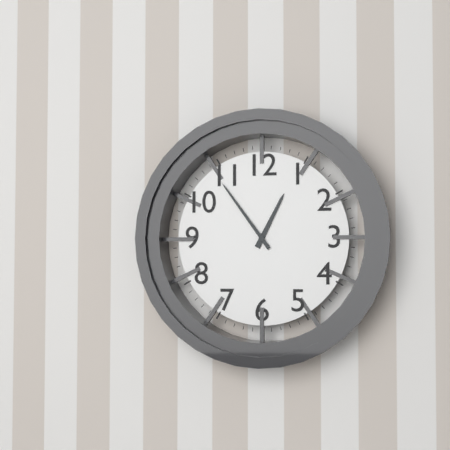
h=12 m=54
